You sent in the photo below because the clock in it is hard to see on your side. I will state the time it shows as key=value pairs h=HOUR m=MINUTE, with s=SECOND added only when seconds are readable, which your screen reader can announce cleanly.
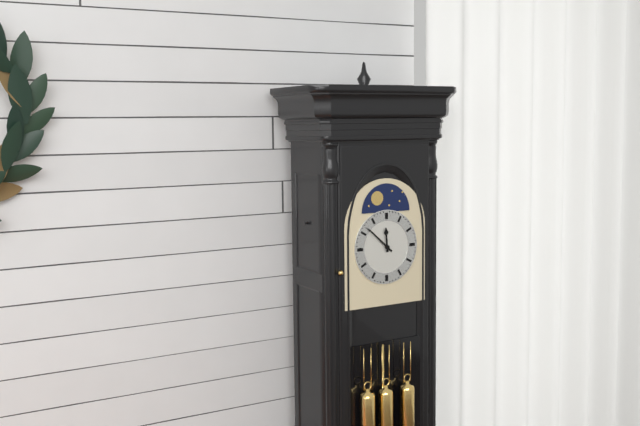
h=11 m=52
